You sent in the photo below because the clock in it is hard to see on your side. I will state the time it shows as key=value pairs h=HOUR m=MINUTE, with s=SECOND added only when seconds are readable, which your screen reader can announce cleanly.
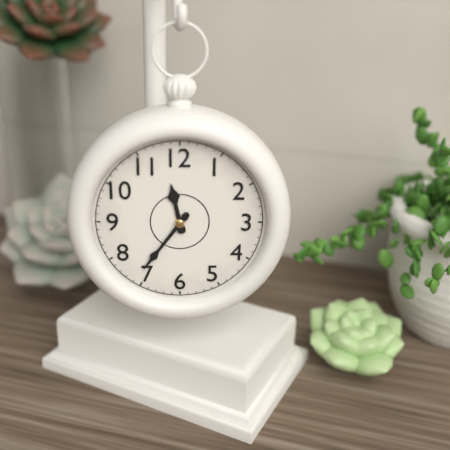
h=11 m=36
